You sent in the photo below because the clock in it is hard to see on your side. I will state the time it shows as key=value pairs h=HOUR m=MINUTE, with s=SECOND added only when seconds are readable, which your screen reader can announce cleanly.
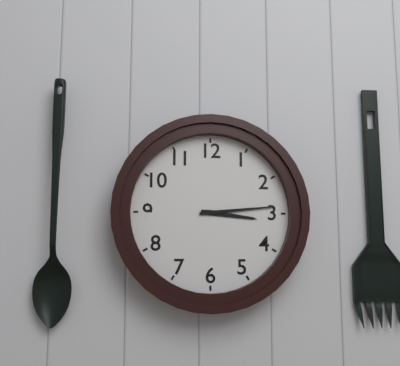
h=3 m=14
